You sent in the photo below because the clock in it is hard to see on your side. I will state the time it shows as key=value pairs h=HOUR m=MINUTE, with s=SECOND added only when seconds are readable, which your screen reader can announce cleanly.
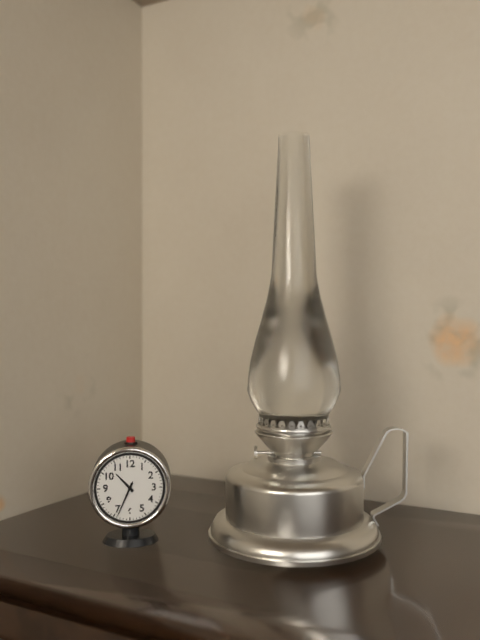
h=10 m=34
